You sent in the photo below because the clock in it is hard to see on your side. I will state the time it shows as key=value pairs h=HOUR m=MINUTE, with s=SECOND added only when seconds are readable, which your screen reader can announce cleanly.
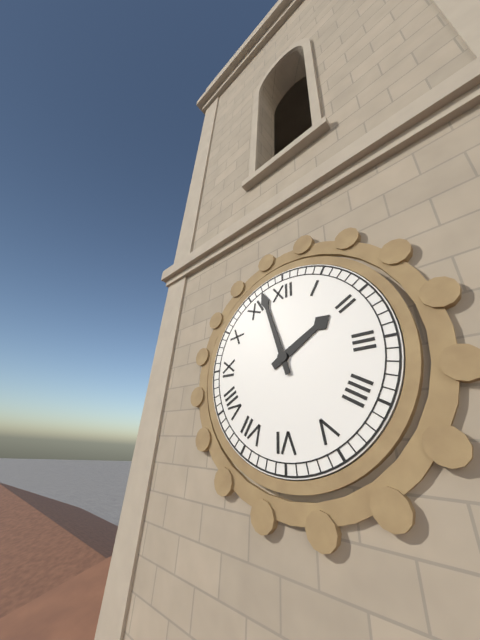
h=1 m=57
